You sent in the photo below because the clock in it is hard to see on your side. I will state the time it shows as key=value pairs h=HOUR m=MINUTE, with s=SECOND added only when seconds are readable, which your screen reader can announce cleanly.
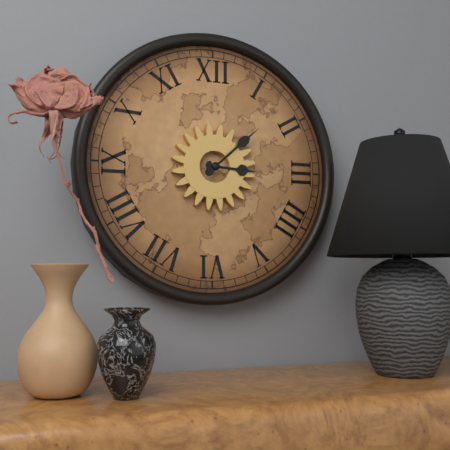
h=3 m=8
